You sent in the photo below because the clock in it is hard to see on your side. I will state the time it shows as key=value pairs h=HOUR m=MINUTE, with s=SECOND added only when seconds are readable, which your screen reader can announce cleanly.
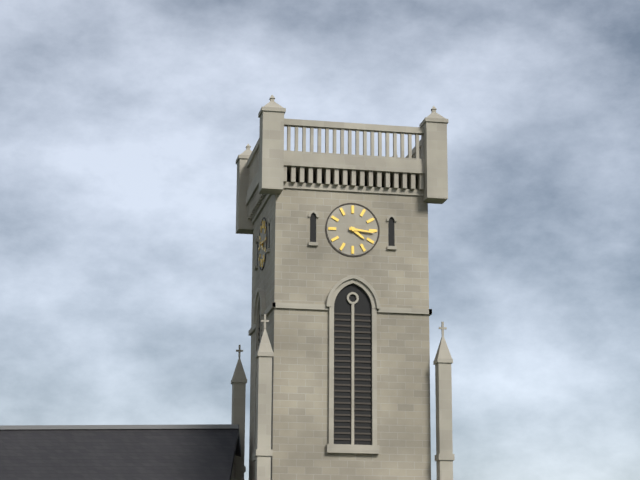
h=4 m=16
